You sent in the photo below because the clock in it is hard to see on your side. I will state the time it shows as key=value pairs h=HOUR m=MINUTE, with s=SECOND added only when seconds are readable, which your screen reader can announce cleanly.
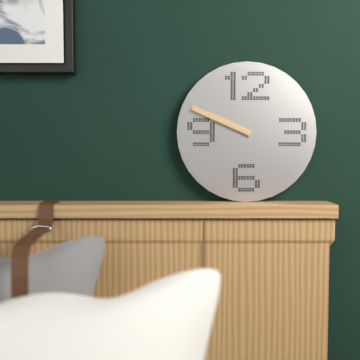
h=9 m=49
